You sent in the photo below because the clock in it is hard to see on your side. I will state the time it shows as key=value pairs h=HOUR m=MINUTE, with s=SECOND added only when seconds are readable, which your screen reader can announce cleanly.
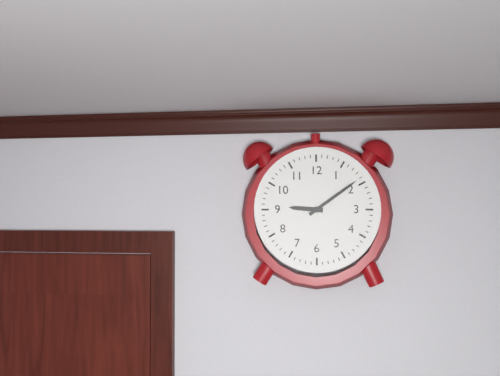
h=9 m=9
